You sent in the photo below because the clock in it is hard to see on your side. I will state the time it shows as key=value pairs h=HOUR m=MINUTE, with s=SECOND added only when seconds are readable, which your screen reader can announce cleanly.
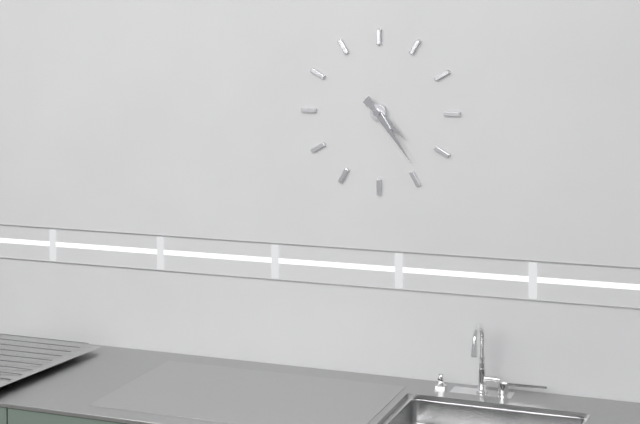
h=4 m=24
